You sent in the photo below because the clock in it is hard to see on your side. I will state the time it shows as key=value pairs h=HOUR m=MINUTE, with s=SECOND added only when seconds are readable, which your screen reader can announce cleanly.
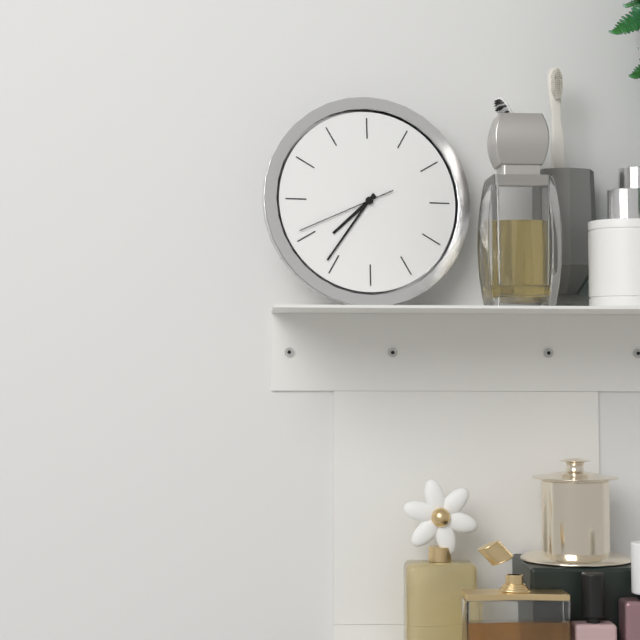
h=7 m=36 s=41
